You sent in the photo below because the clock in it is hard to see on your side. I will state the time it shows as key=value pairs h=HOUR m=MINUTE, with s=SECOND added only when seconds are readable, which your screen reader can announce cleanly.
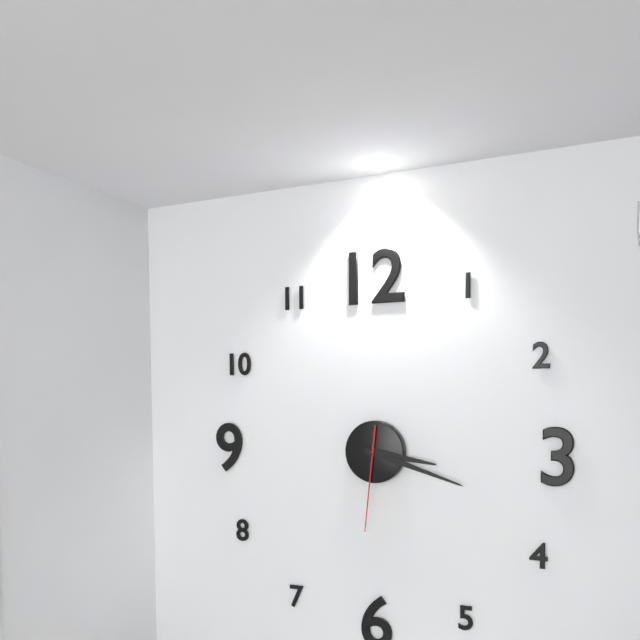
h=3 m=18 s=31
